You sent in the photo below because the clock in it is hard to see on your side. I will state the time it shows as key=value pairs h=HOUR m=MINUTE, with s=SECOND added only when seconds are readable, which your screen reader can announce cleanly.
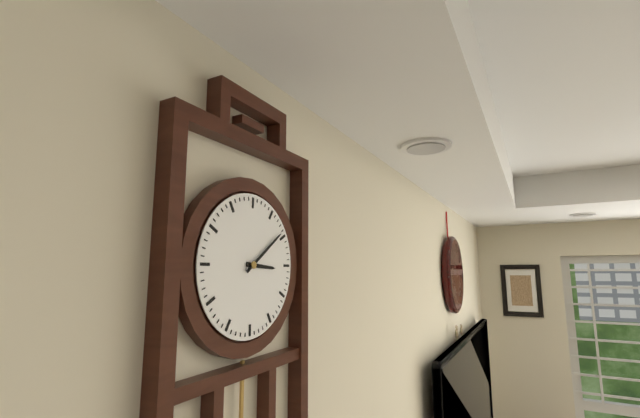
h=3 m=9
